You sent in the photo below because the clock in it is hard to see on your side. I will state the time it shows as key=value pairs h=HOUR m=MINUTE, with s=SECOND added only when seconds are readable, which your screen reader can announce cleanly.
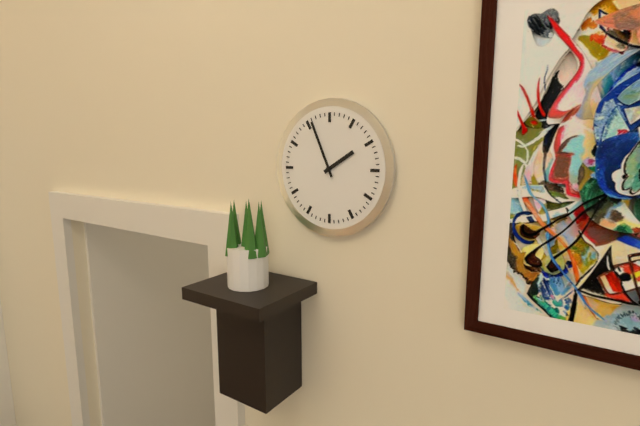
h=1 m=56
